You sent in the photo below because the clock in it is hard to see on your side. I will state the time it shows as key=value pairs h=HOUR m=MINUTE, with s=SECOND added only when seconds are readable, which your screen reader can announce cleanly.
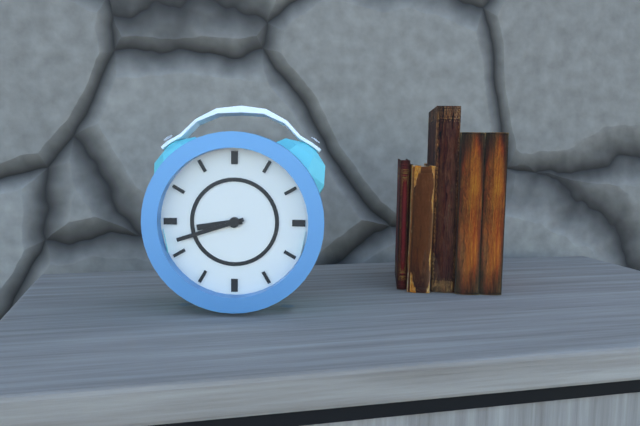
h=8 m=42
